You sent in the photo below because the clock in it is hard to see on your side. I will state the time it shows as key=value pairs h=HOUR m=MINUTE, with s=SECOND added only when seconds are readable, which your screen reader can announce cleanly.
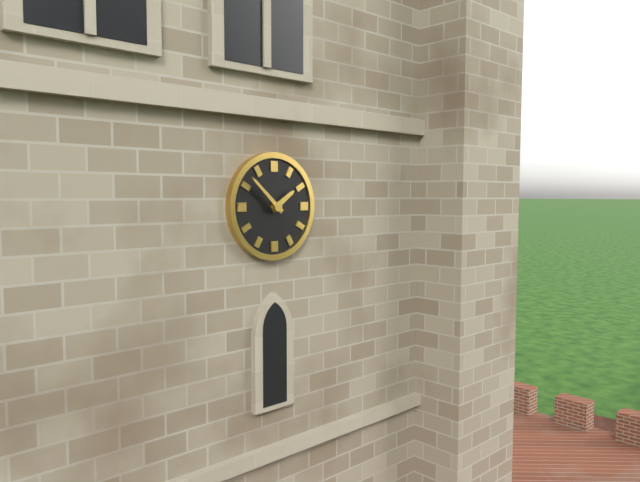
h=1 m=52
